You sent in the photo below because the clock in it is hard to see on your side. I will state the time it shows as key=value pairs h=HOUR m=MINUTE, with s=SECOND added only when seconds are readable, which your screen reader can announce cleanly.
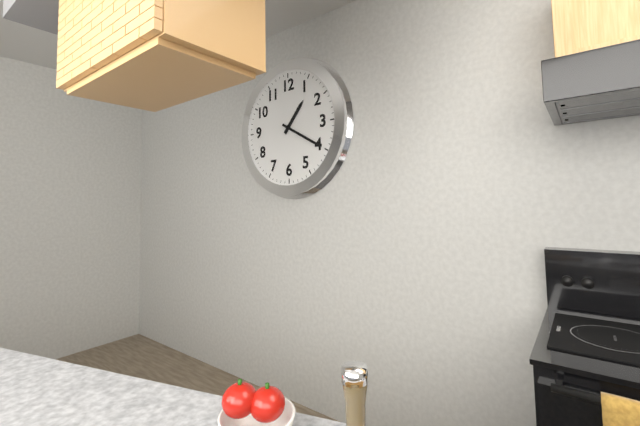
h=1 m=20
